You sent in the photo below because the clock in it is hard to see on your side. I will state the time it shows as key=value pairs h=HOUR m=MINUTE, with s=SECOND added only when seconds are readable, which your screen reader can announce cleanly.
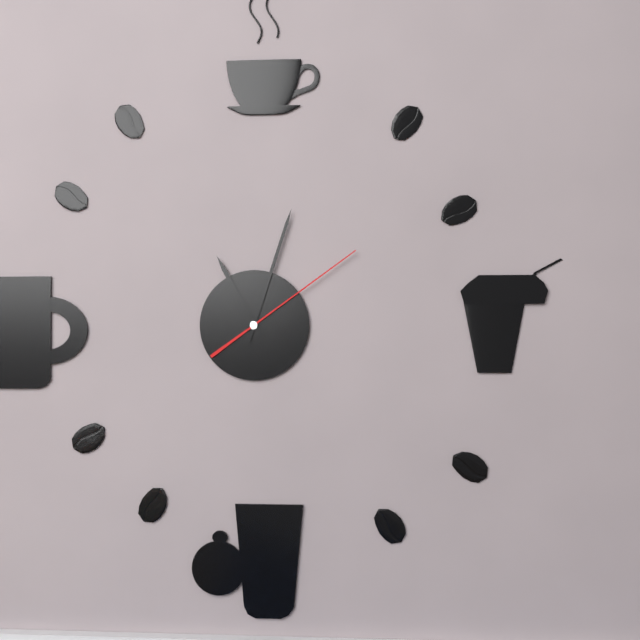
h=11 m=3 s=9
